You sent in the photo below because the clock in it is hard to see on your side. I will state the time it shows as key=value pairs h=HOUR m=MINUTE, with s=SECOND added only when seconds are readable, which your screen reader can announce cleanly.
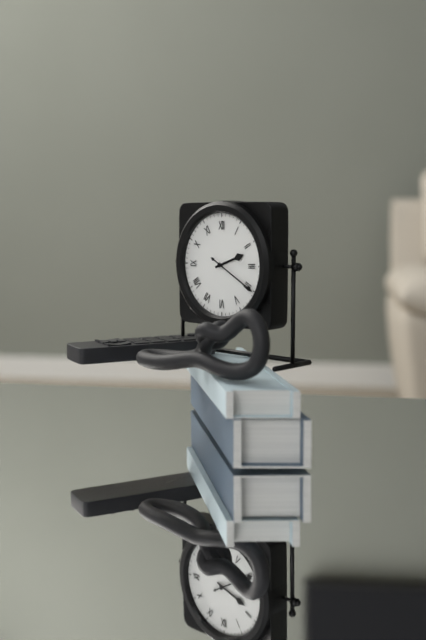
h=2 m=20
